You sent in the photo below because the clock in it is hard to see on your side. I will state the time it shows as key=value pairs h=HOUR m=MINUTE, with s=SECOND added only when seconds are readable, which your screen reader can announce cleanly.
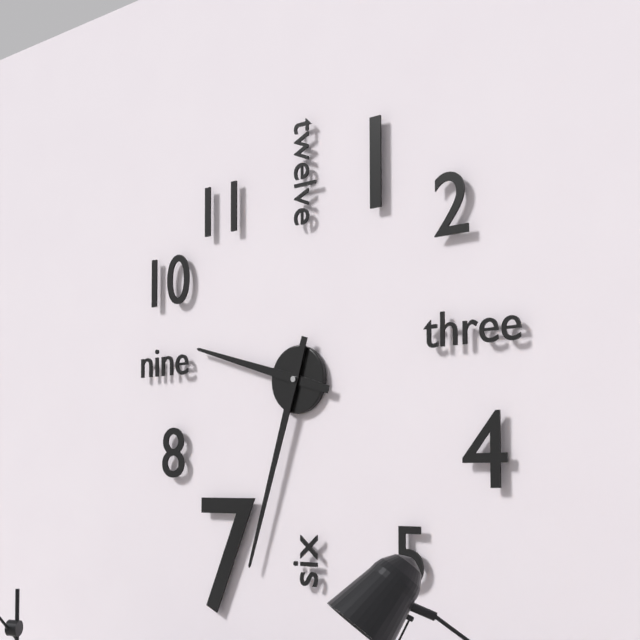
h=9 m=33
